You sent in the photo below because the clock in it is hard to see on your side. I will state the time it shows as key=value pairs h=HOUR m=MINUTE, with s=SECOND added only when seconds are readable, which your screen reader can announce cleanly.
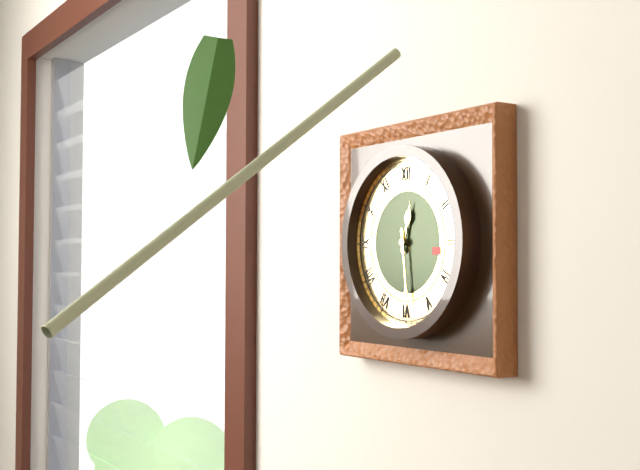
h=12 m=29
